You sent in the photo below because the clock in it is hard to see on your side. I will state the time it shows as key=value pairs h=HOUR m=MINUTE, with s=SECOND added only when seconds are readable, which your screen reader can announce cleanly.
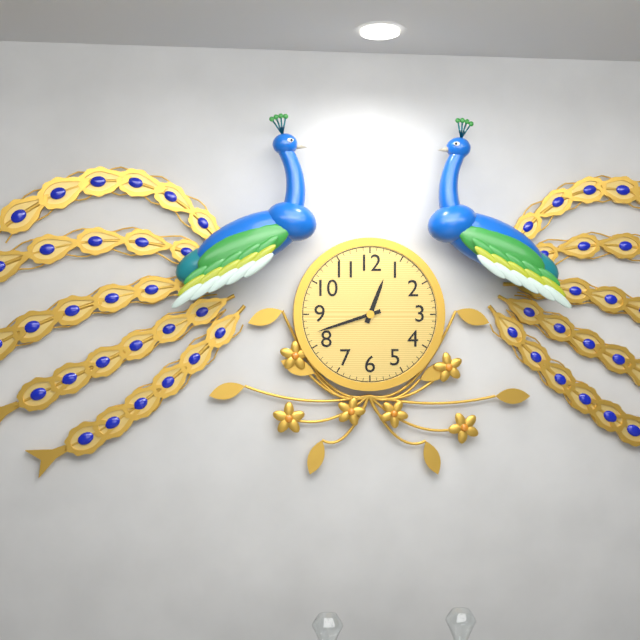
h=12 m=42
